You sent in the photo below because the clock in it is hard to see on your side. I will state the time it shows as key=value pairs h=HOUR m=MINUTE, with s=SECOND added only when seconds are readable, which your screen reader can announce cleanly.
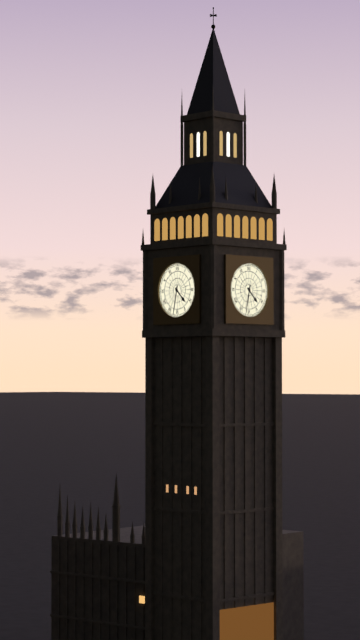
h=4 m=32
